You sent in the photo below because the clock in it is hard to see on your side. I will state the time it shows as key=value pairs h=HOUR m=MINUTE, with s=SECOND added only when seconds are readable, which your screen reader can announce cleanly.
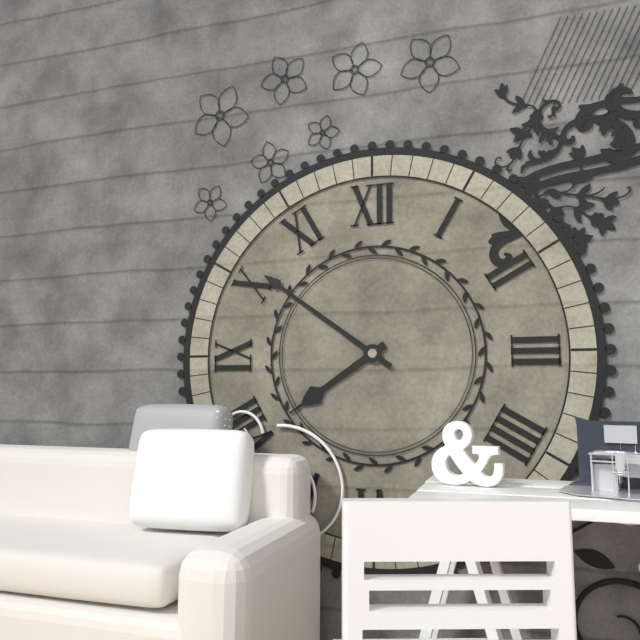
h=7 m=51
